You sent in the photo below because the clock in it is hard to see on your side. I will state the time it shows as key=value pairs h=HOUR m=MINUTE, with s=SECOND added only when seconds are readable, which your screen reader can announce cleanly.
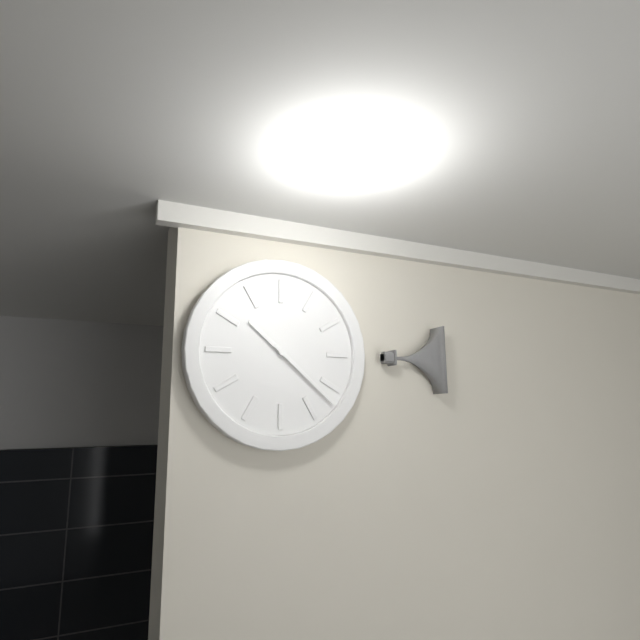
h=10 m=22
